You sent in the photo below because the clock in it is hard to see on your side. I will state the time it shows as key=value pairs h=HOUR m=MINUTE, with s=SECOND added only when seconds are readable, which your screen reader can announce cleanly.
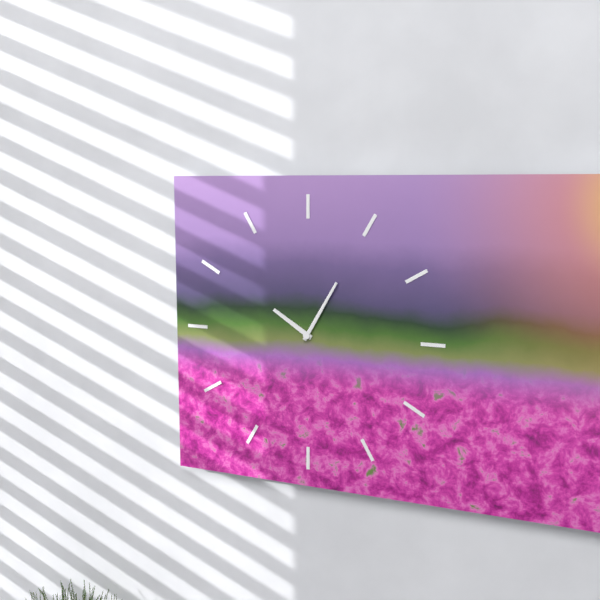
h=10 m=5
